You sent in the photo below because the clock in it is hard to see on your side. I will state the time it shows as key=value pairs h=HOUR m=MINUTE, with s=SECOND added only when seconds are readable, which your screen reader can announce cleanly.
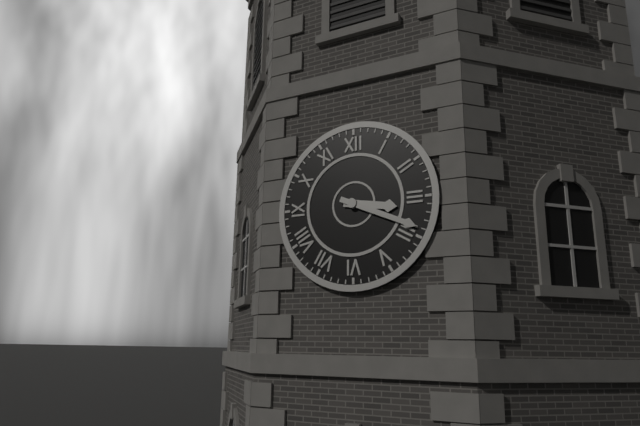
h=3 m=19
